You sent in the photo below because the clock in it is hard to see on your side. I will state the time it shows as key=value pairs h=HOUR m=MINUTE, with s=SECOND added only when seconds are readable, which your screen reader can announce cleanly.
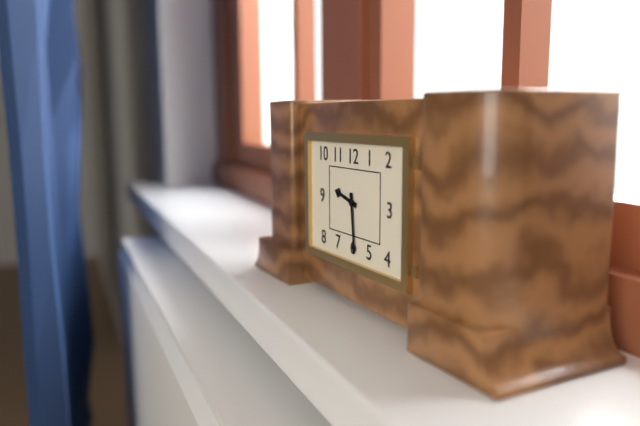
h=9 m=29
